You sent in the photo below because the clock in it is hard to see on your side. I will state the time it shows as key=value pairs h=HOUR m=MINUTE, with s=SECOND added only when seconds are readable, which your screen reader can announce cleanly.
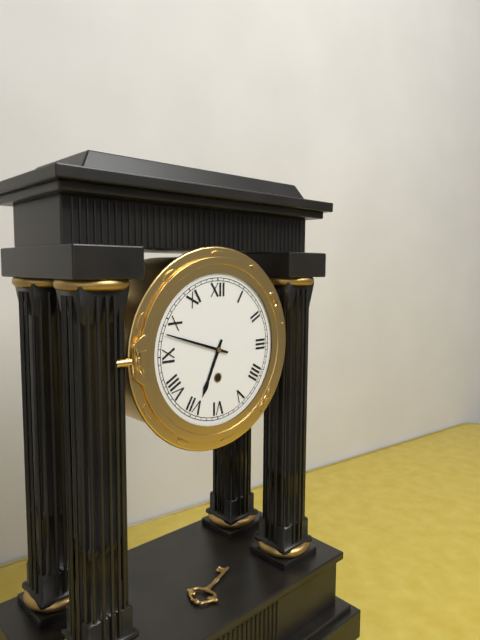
h=6 m=48
